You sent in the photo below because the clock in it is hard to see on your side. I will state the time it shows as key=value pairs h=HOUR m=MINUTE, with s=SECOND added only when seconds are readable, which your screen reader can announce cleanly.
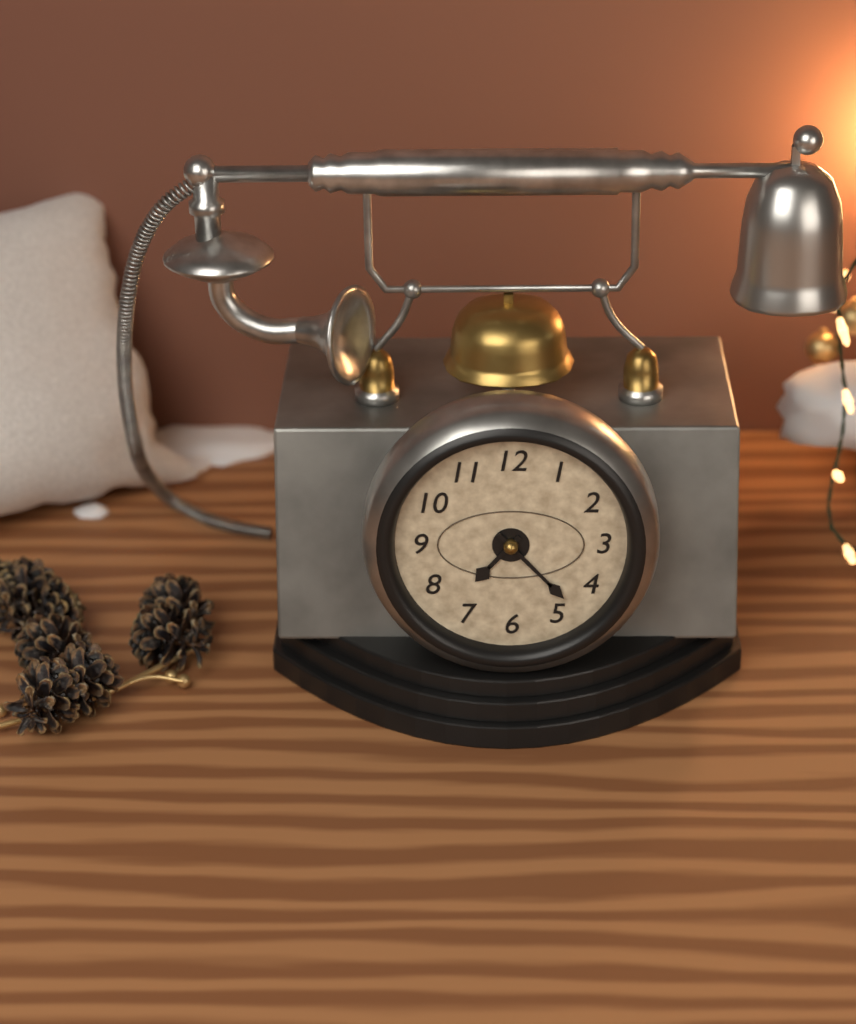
h=7 m=23
